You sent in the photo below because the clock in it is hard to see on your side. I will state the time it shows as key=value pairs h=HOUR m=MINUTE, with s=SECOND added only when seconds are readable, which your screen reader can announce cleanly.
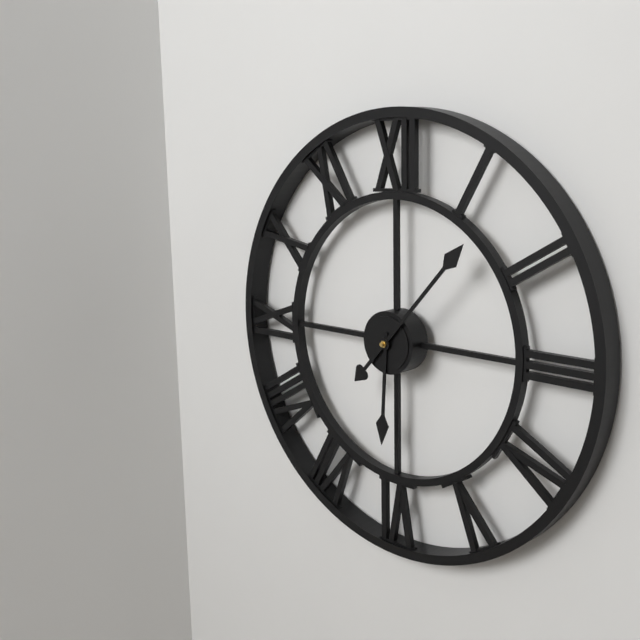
h=6 m=7
